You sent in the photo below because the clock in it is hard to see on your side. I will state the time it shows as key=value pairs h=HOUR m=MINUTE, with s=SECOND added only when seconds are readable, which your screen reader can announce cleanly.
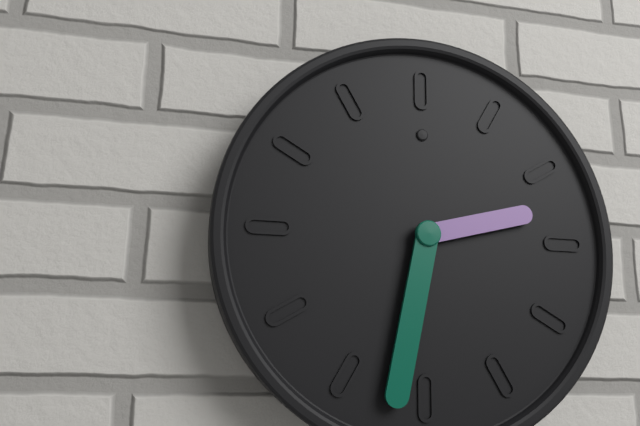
h=2 m=32
